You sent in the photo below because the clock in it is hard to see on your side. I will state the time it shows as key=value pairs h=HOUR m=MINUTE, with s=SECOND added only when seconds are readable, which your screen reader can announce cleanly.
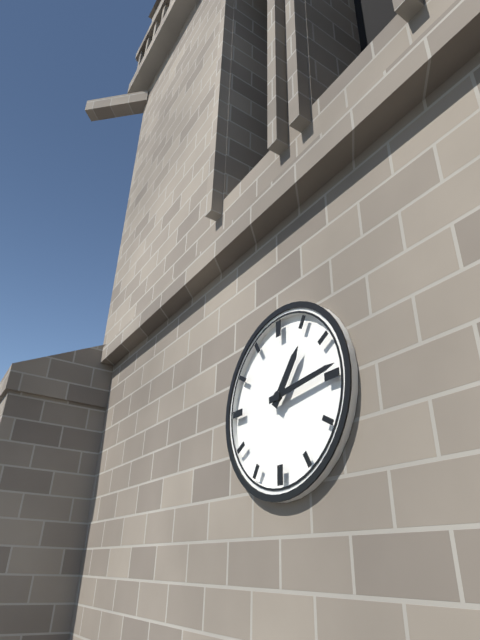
h=1 m=14
